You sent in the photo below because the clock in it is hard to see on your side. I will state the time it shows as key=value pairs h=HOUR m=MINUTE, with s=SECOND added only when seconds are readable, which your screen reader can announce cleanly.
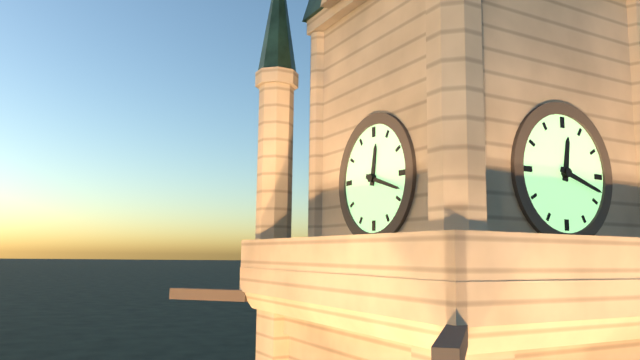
h=12 m=18
